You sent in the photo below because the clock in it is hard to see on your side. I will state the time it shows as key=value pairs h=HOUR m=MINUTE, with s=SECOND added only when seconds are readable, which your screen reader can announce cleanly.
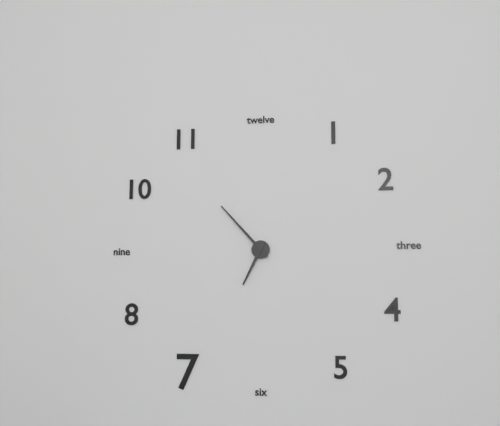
h=6 m=53
